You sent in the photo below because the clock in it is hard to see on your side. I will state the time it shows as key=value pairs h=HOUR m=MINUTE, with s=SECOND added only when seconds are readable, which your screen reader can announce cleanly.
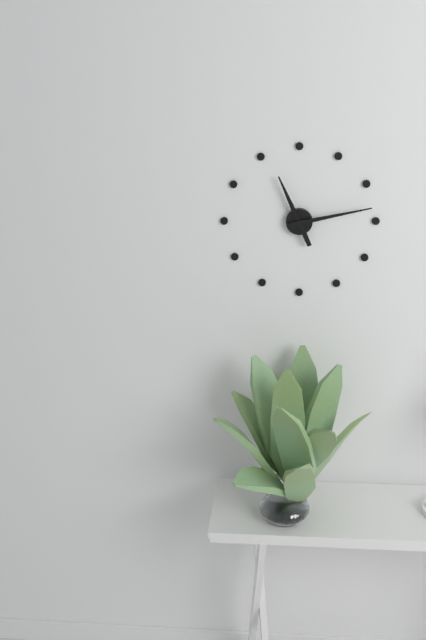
h=11 m=13
